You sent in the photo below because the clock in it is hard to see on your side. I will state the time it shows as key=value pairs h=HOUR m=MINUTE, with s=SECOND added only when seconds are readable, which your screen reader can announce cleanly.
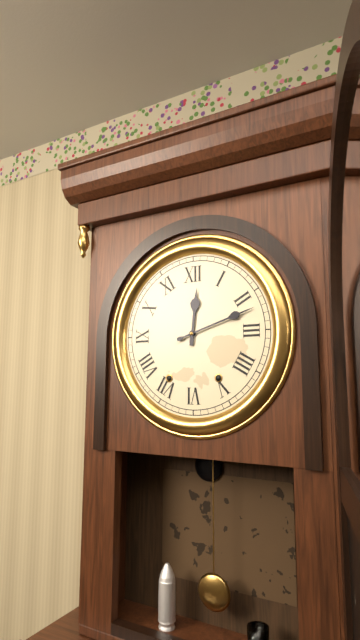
h=12 m=12
